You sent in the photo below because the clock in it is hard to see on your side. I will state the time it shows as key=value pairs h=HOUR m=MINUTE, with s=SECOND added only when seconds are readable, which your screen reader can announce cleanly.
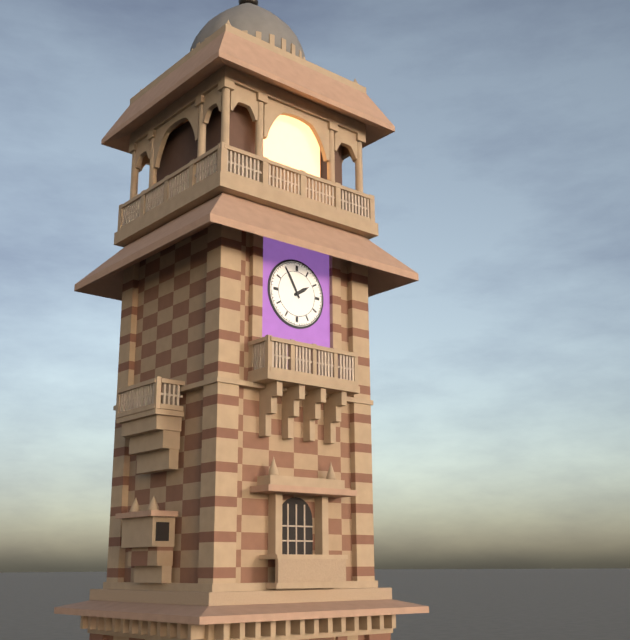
h=1 m=55
